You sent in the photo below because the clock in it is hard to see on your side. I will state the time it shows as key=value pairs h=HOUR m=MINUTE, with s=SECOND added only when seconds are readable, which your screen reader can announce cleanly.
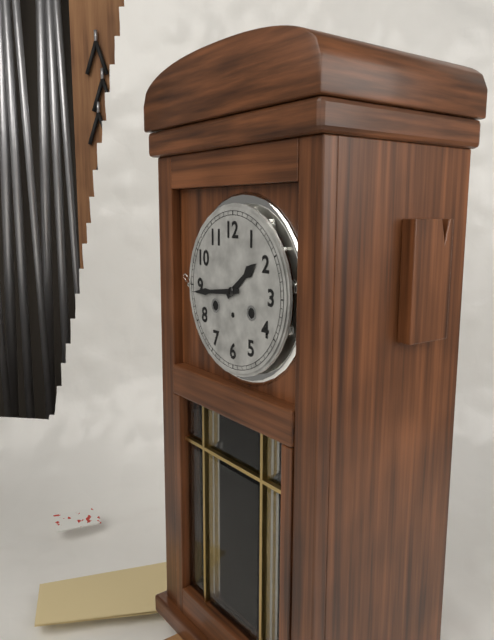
h=1 m=44
